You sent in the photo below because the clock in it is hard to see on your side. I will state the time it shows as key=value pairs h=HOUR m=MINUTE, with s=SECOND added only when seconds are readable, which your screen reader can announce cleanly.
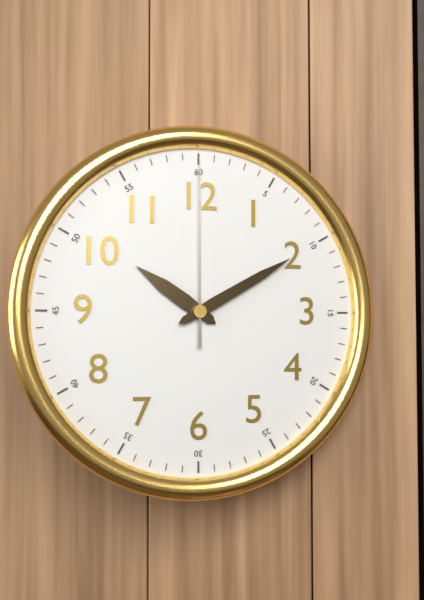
h=10 m=10 s=0
